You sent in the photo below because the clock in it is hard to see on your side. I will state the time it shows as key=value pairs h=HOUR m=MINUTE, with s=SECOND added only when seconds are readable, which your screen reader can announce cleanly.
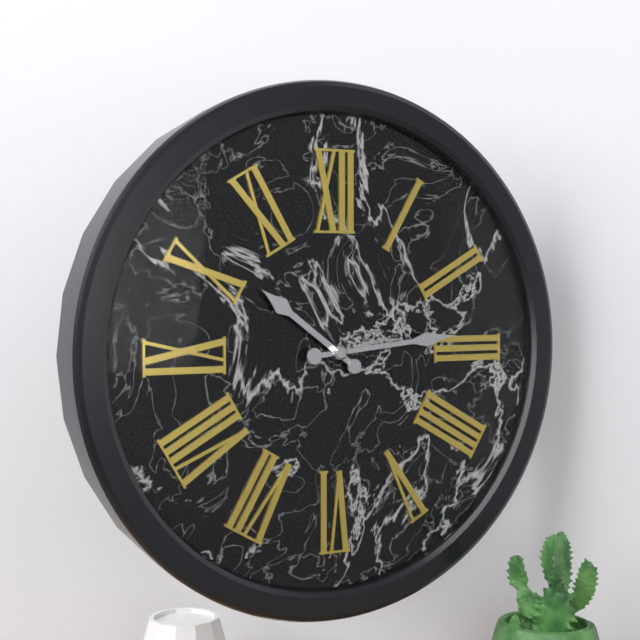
h=10 m=14
